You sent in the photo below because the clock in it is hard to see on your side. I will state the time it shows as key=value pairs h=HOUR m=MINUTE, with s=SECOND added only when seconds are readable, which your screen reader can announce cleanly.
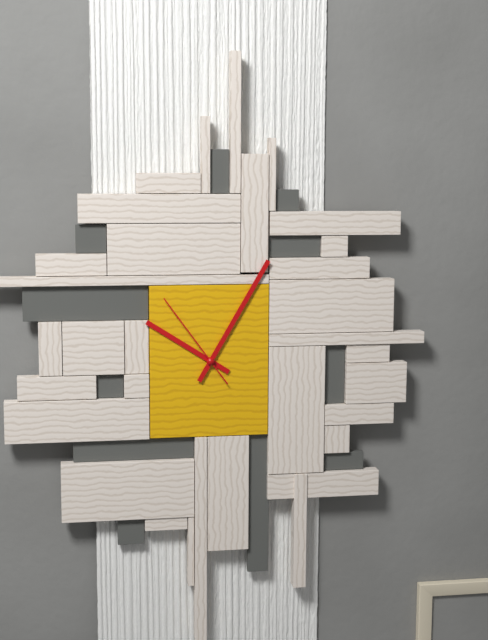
h=10 m=5 s=54
